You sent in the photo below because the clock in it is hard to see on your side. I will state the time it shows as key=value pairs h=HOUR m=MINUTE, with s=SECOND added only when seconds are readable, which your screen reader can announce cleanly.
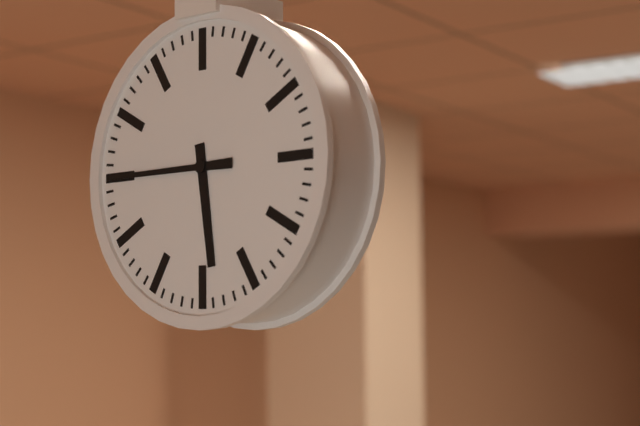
h=5 m=45
